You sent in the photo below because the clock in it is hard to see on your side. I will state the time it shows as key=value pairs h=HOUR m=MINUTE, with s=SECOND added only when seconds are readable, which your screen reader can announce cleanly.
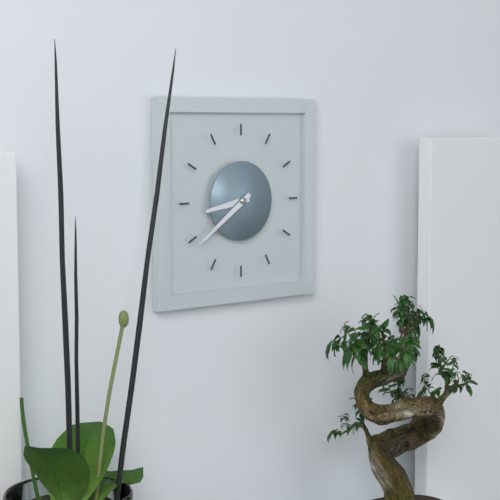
h=8 m=39
